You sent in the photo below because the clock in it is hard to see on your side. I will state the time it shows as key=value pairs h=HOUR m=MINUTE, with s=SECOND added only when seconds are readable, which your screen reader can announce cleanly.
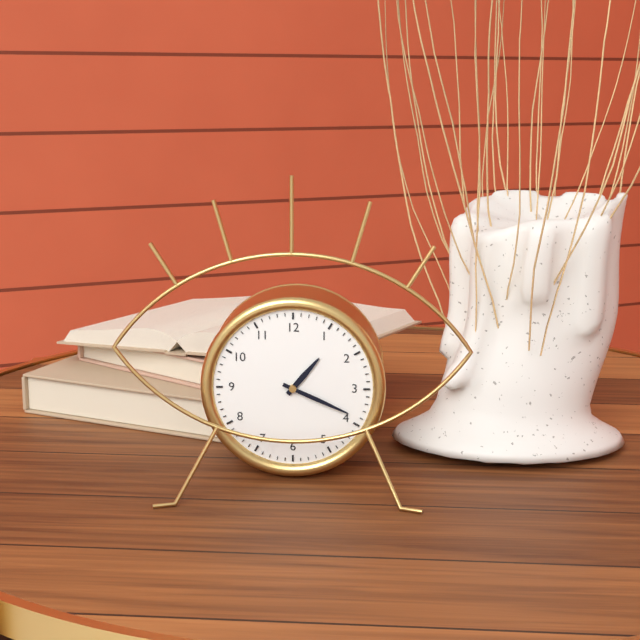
h=1 m=19
